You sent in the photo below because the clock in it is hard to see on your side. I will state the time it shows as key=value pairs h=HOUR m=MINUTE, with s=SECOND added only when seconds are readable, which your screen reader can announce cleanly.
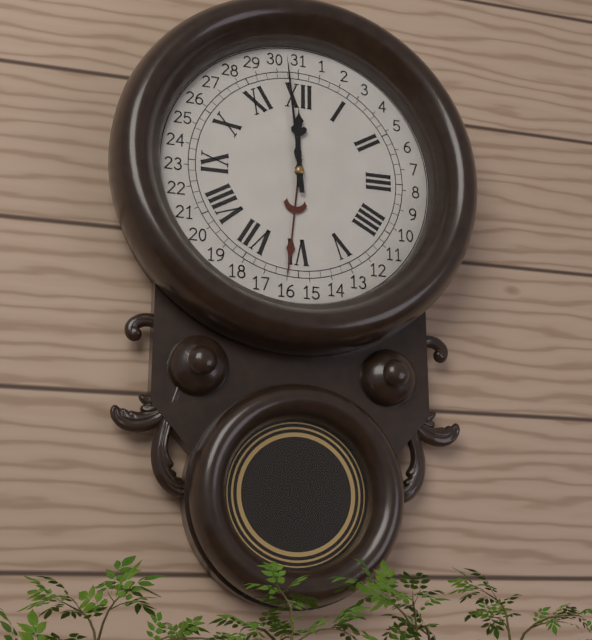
h=11 m=59
